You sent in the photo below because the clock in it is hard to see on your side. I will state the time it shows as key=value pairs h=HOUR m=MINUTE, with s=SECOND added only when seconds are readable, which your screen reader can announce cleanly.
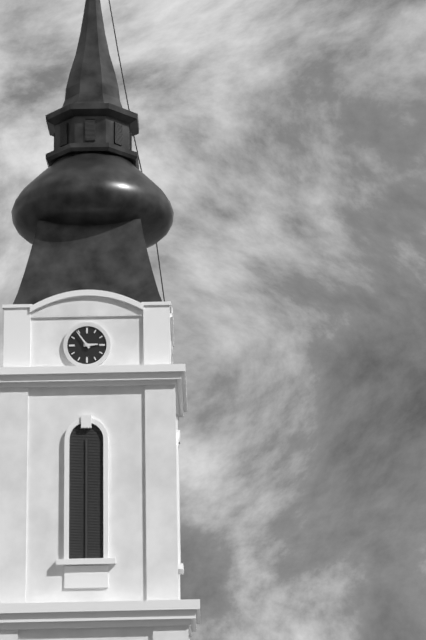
h=2 m=54
